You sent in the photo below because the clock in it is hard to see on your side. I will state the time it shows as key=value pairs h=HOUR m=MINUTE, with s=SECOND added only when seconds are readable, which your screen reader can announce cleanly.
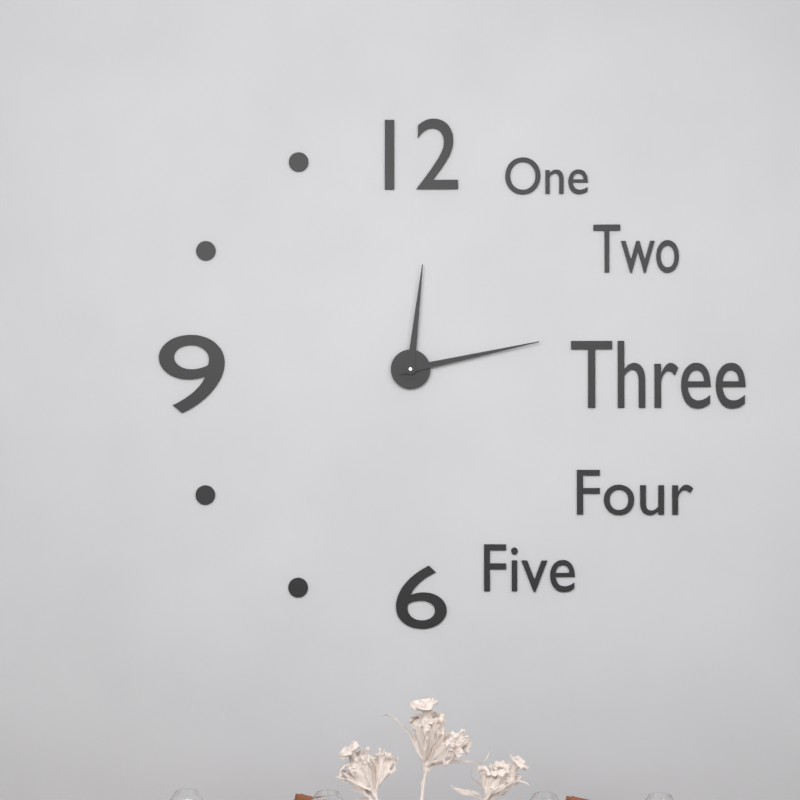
h=12 m=13
